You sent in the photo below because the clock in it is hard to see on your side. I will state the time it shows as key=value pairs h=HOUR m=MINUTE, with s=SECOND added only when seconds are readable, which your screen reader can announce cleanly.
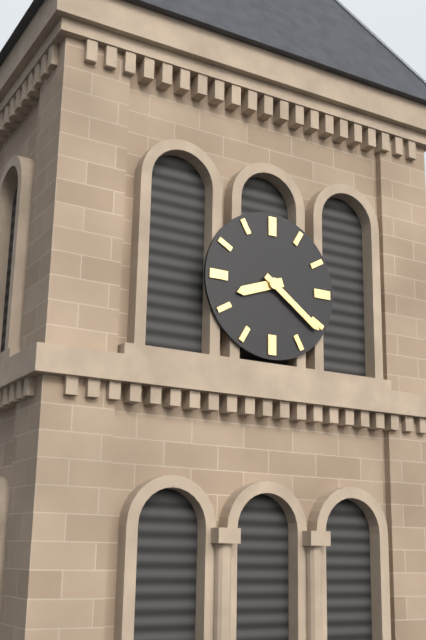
h=8 m=21
